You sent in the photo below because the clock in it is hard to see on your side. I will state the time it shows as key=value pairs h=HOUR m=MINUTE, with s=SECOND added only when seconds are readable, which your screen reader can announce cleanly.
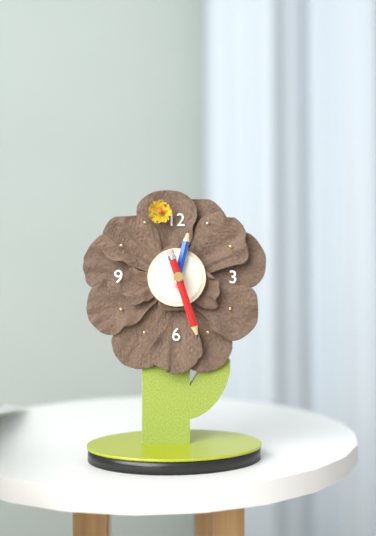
h=12 m=27
